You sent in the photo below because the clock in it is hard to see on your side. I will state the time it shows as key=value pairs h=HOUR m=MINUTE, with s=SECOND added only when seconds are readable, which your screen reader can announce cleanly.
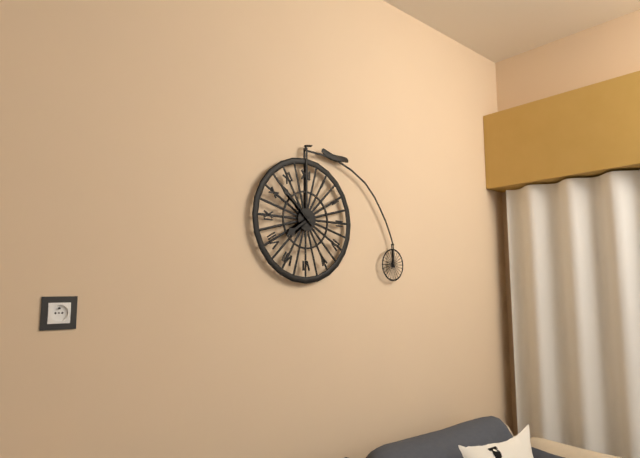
h=7 m=52
